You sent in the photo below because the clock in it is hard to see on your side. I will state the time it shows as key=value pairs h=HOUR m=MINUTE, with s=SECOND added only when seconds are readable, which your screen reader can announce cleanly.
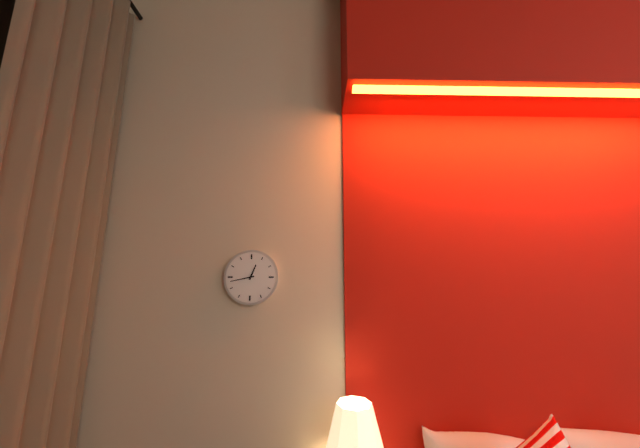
h=12 m=43
